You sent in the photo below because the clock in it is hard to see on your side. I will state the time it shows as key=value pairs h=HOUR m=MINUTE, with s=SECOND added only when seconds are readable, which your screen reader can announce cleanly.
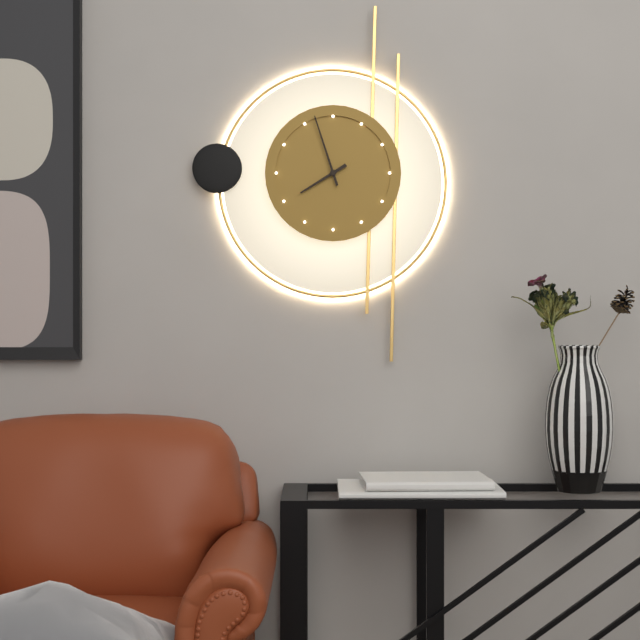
h=7 m=57
